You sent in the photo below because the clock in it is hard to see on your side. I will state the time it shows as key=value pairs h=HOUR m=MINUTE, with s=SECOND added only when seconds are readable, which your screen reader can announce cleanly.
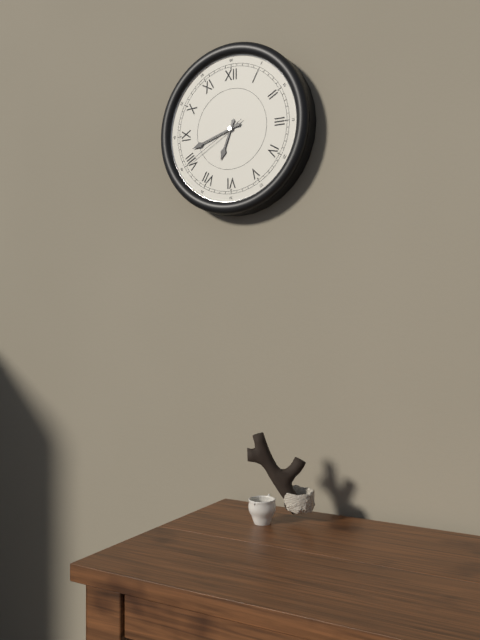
h=6 m=42 s=40
